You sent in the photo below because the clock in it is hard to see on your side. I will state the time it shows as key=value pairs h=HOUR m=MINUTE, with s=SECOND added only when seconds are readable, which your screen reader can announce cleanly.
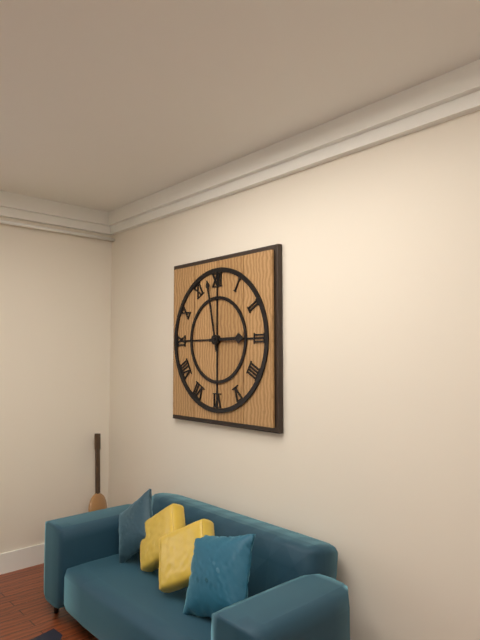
h=2 m=58
